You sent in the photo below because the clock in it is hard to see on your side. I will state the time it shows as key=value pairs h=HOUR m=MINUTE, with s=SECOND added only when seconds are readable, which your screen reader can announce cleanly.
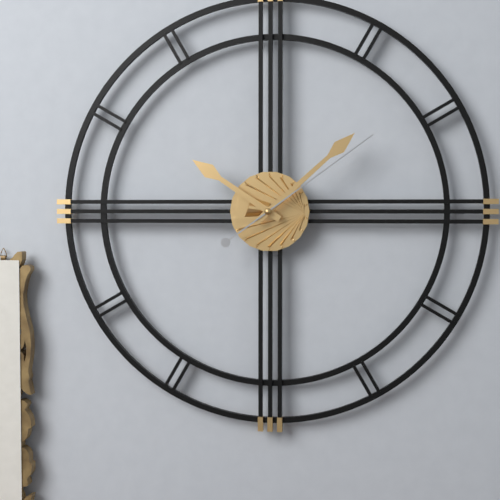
h=10 m=8 s=9
